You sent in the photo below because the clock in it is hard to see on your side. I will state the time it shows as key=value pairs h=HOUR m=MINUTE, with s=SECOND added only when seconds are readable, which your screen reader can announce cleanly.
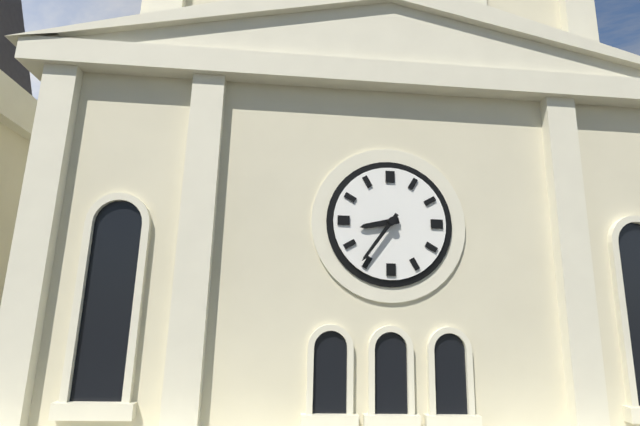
h=8 m=36
